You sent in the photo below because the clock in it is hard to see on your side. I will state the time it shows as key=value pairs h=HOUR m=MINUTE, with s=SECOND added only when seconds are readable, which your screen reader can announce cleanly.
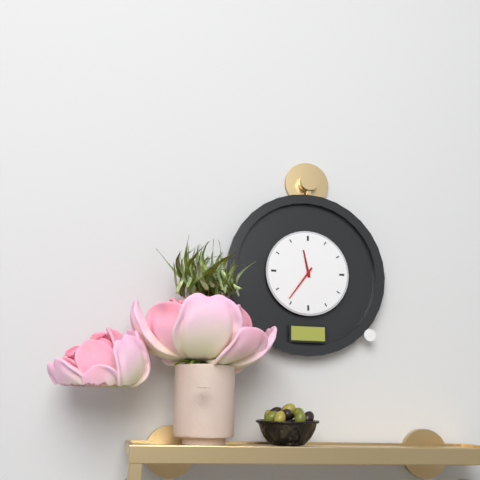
h=11 m=36
